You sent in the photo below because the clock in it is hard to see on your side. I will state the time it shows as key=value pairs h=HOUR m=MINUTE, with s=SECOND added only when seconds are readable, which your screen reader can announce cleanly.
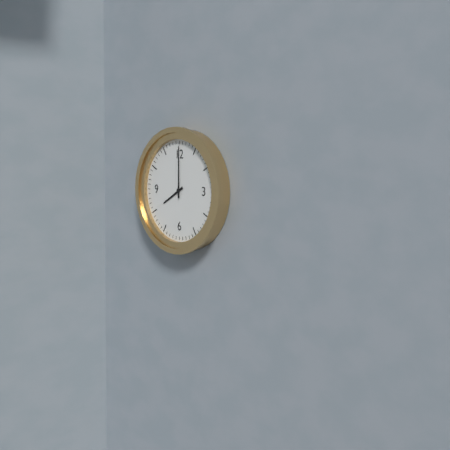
h=8 m=0
